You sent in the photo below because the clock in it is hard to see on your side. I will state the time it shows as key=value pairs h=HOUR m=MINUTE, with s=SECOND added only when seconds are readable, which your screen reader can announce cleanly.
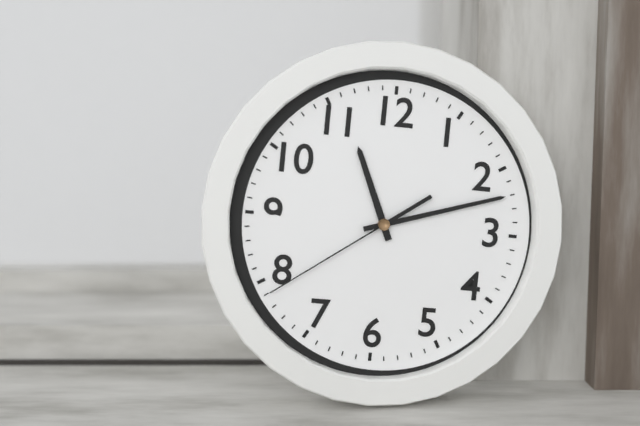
h=11 m=12 s=39
